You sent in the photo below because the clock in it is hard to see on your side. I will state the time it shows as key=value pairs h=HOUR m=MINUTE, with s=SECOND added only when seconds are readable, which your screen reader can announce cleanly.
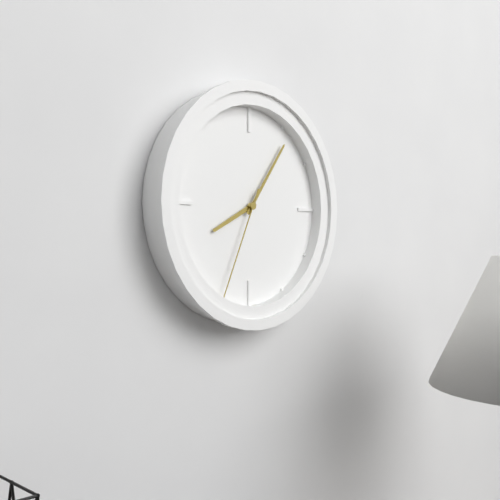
h=8 m=6 s=34
